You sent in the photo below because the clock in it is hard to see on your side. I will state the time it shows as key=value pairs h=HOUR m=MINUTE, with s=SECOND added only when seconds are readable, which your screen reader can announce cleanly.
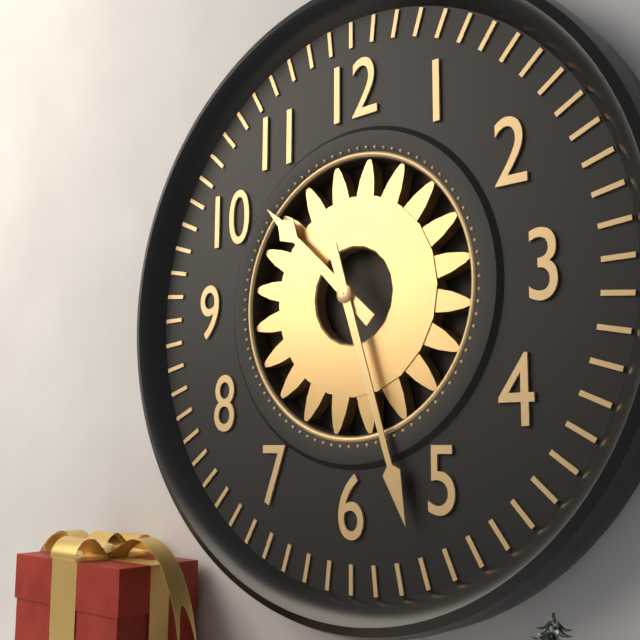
h=10 m=27
